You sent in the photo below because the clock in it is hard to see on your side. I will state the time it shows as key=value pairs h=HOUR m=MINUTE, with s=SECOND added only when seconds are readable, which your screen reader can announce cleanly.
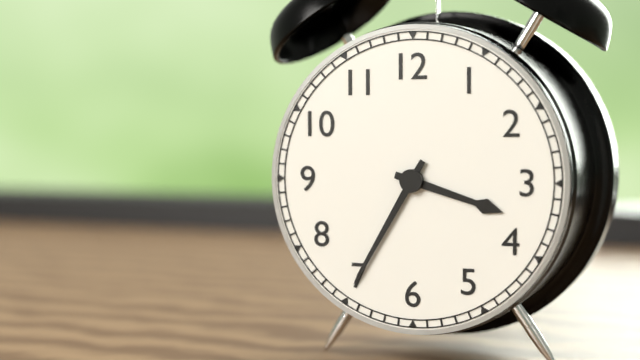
h=3 m=35
